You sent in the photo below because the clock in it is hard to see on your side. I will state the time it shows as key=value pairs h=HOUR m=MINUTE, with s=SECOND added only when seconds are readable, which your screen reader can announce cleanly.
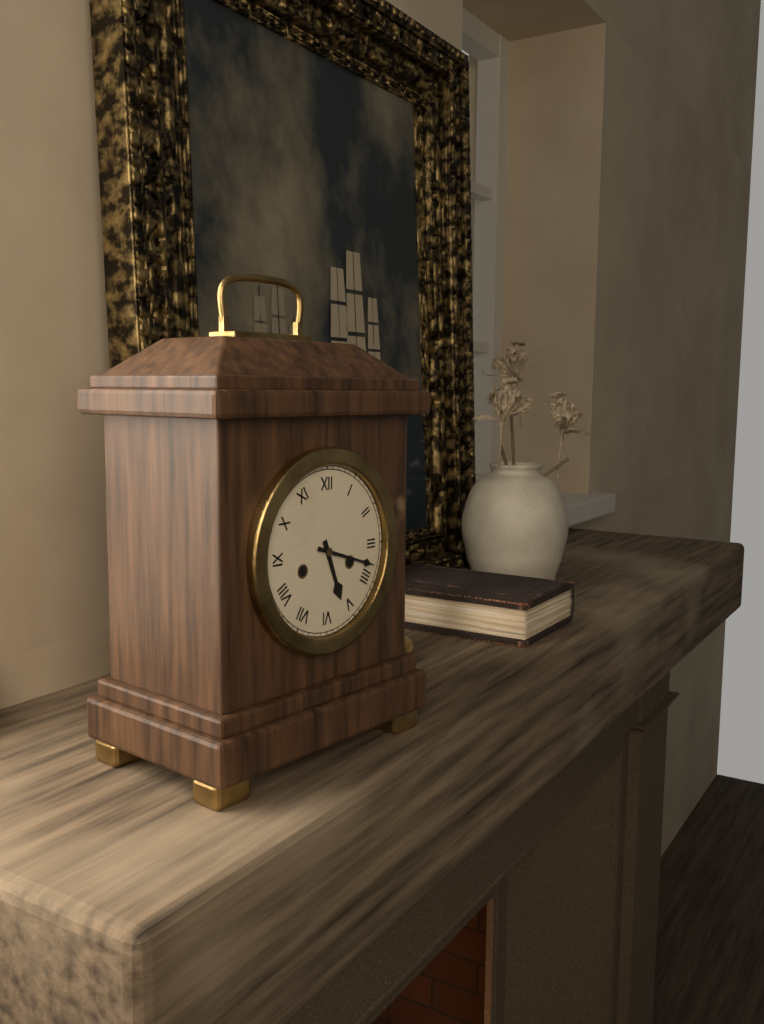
h=5 m=18
